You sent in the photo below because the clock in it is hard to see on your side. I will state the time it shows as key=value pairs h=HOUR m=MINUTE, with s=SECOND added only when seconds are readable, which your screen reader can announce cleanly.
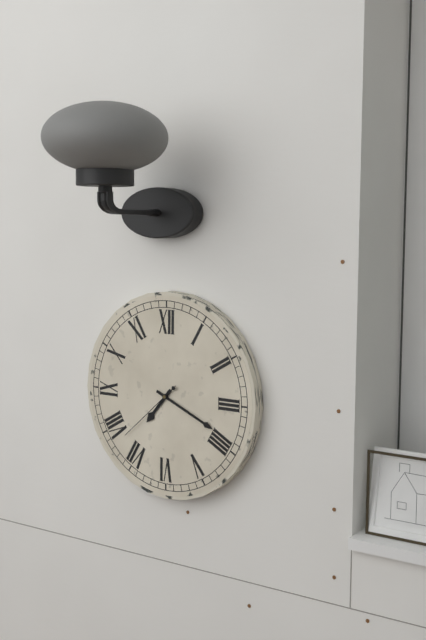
h=7 m=19 s=38
